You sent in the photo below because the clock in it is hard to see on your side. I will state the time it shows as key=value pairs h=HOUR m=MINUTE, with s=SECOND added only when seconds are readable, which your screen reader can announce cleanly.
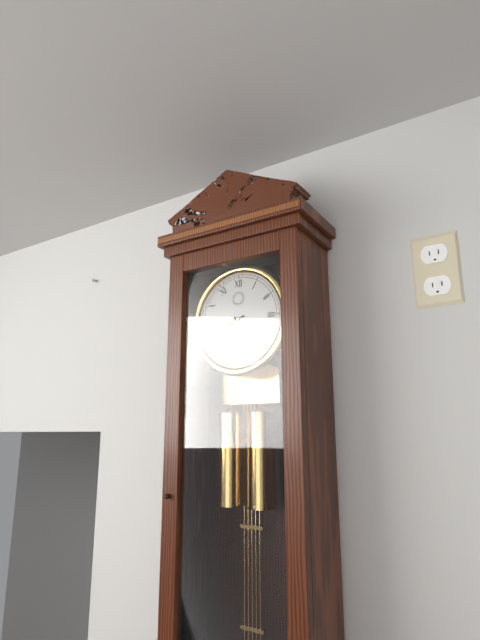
h=3 m=42
